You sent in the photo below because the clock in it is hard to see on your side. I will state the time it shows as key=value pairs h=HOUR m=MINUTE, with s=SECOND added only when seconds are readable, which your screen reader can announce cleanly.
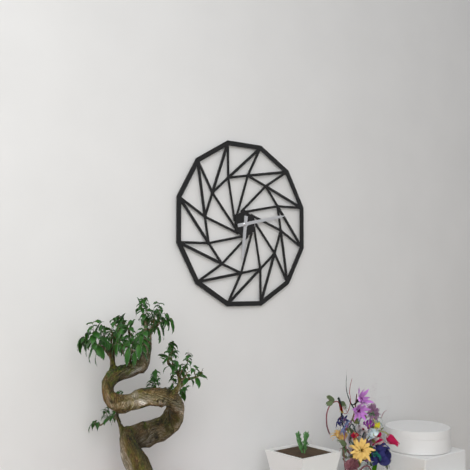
h=6 m=13
